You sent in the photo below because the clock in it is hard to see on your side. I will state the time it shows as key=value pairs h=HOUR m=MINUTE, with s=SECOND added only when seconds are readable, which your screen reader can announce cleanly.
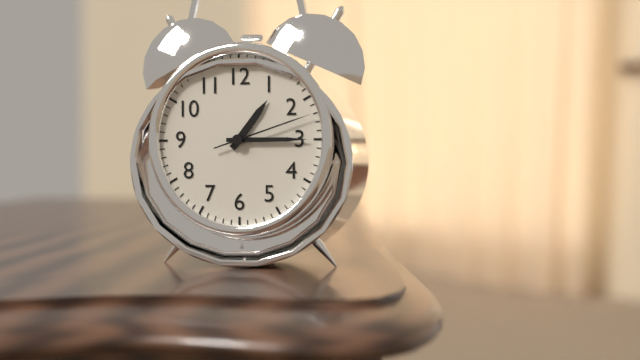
h=1 m=15 s=12
